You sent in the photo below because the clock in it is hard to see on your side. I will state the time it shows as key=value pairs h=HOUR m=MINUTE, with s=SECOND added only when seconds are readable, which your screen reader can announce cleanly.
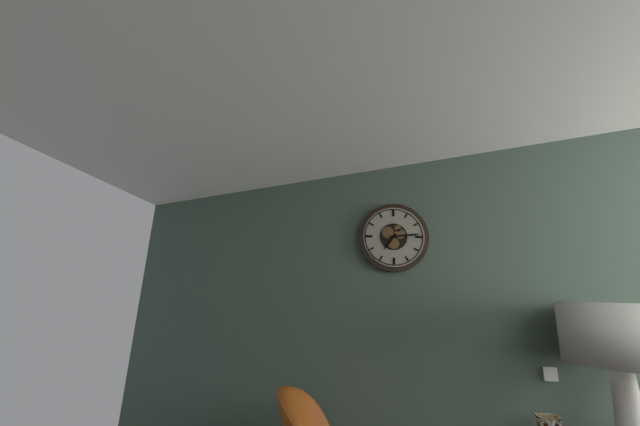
h=7 m=14
